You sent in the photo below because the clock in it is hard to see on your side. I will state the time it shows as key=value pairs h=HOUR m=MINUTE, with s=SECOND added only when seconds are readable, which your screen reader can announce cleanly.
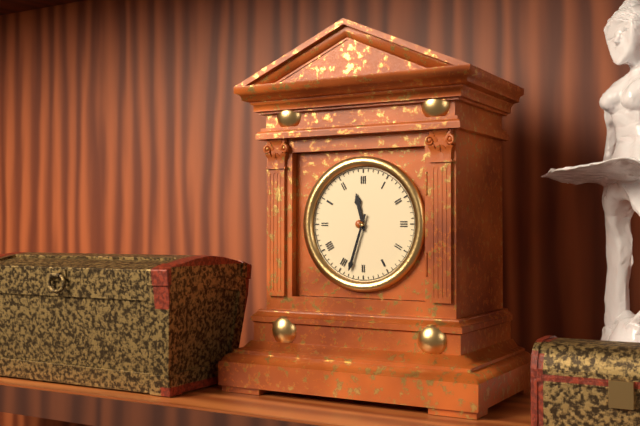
h=11 m=33
